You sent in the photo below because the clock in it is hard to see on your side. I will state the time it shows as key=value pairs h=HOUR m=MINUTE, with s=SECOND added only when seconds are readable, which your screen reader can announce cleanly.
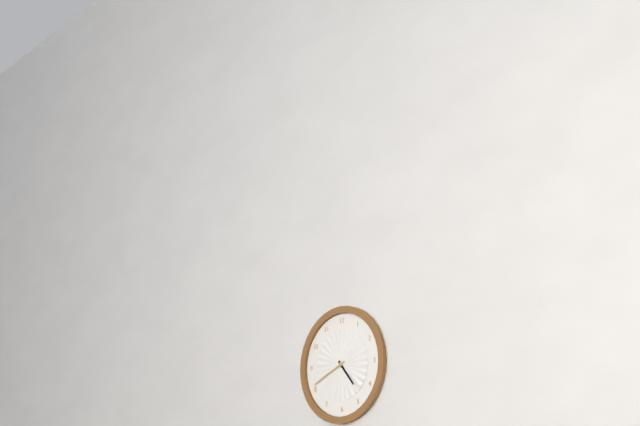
h=4 m=41
